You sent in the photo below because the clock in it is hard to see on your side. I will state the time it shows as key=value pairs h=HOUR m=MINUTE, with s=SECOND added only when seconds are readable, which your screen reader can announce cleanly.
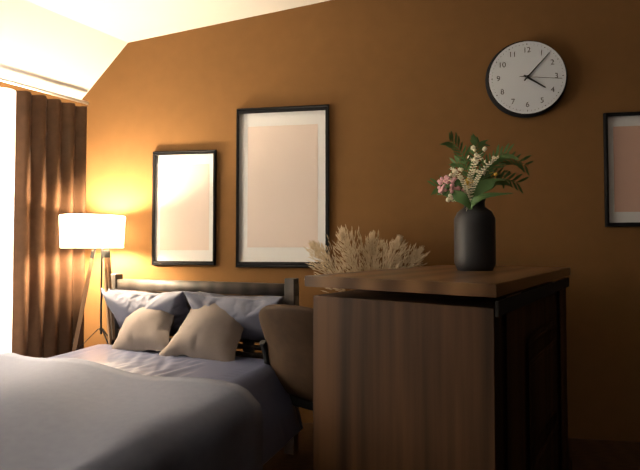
h=4 m=7
